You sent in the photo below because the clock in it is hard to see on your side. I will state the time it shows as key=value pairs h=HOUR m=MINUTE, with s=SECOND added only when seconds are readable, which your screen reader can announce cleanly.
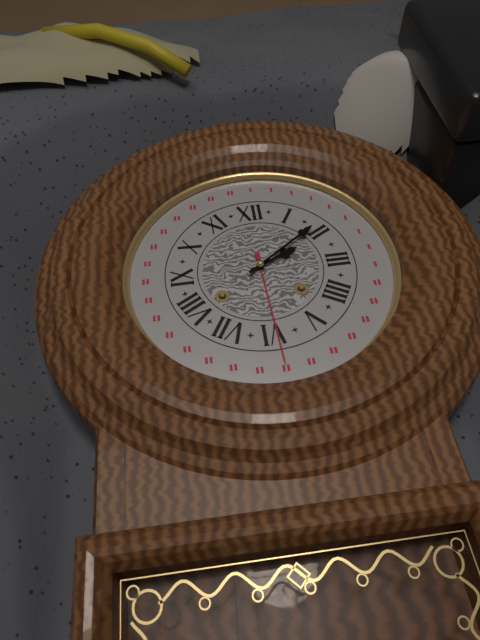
h=2 m=9
